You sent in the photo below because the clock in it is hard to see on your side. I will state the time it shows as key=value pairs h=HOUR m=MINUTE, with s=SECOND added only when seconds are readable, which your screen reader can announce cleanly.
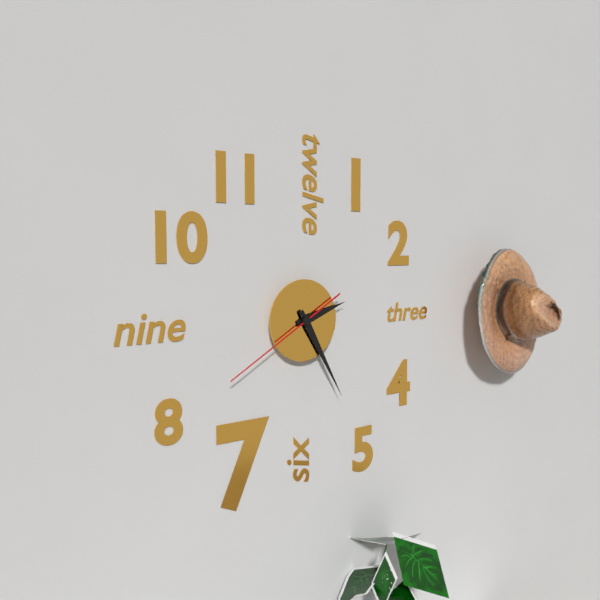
h=2 m=25 s=40
